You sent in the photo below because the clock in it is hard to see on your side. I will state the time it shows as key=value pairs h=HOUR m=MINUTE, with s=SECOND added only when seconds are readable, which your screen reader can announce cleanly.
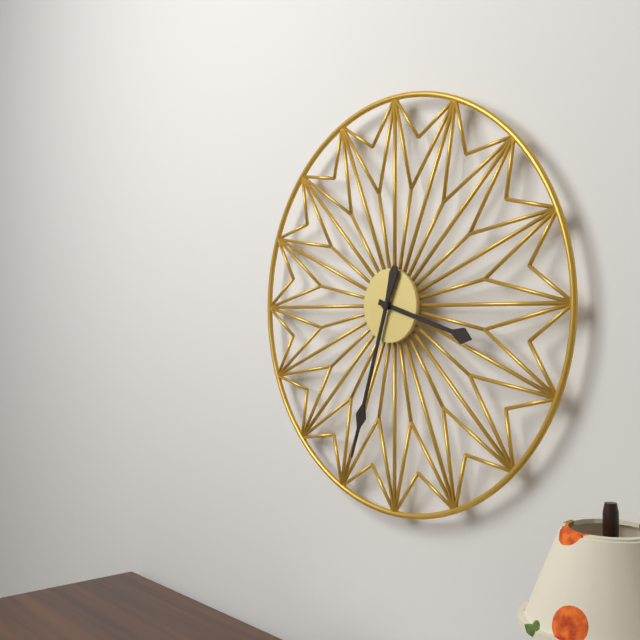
h=3 m=33
